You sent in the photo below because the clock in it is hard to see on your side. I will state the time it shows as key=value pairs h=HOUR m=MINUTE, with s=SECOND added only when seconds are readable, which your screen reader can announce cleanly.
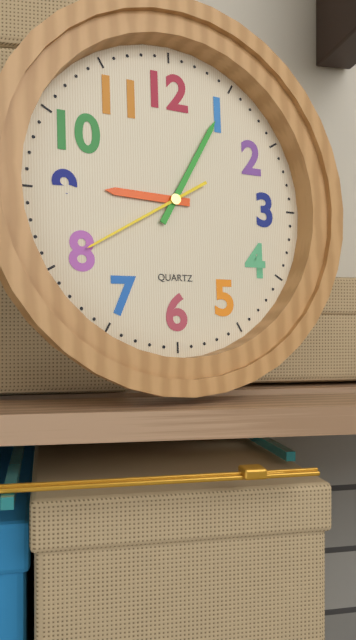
h=9 m=5 s=40
